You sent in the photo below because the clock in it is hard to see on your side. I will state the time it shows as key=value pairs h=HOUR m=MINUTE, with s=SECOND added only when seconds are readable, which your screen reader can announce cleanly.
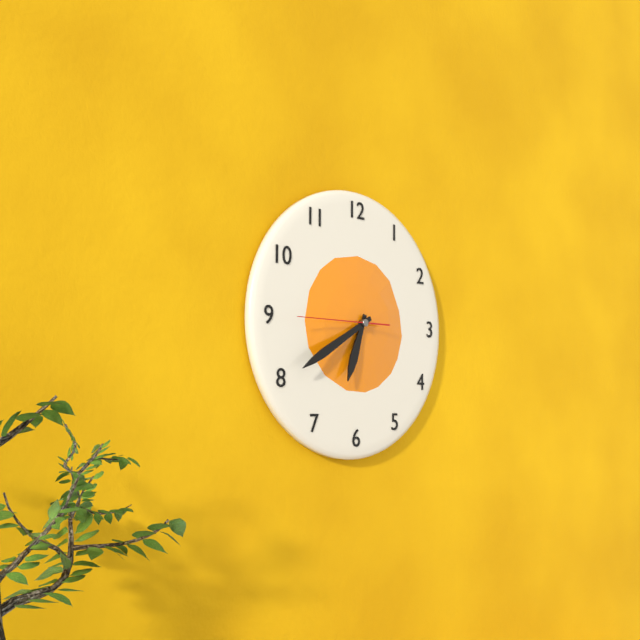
h=6 m=40 s=45
